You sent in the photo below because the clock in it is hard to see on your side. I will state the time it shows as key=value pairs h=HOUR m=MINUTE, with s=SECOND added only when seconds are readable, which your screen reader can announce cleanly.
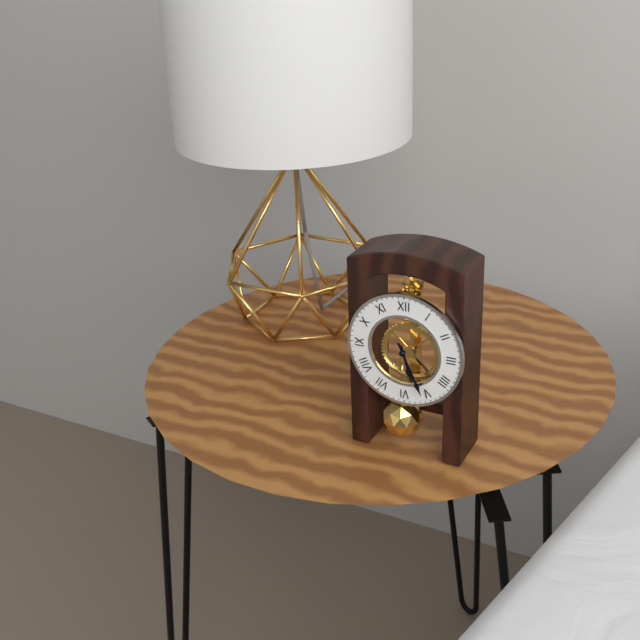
h=5 m=26
